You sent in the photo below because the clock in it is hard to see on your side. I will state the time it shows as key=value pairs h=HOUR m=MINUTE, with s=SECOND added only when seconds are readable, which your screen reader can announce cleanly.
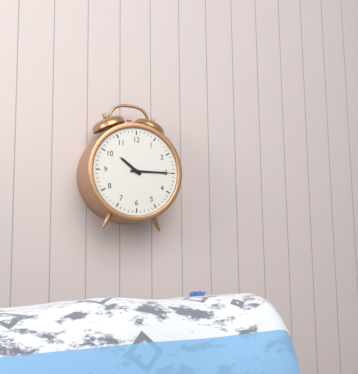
h=10 m=15
